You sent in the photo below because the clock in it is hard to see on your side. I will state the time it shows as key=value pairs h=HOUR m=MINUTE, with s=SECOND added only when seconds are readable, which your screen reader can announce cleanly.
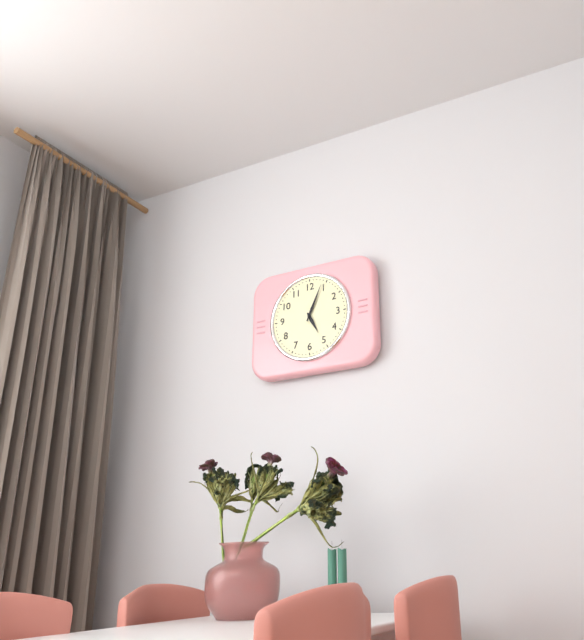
h=5 m=4
